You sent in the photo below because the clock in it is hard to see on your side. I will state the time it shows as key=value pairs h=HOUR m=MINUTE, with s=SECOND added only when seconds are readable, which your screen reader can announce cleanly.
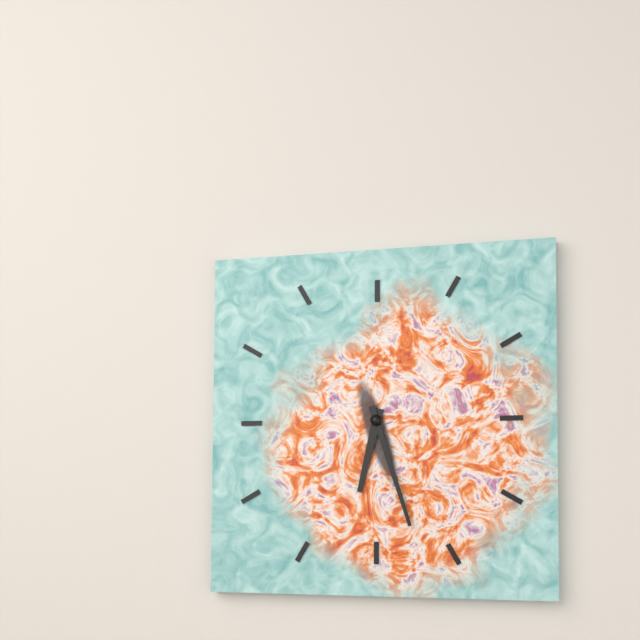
h=6 m=27
